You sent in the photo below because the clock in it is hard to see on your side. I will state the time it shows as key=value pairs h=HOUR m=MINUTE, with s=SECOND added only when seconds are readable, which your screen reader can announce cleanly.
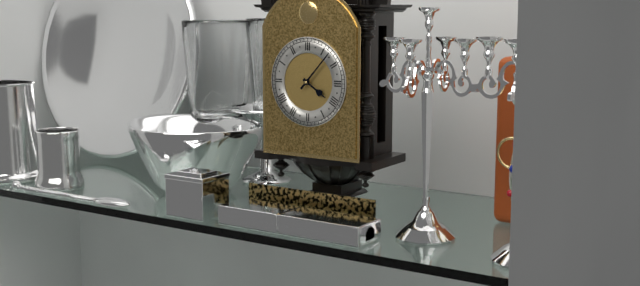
h=4 m=7
